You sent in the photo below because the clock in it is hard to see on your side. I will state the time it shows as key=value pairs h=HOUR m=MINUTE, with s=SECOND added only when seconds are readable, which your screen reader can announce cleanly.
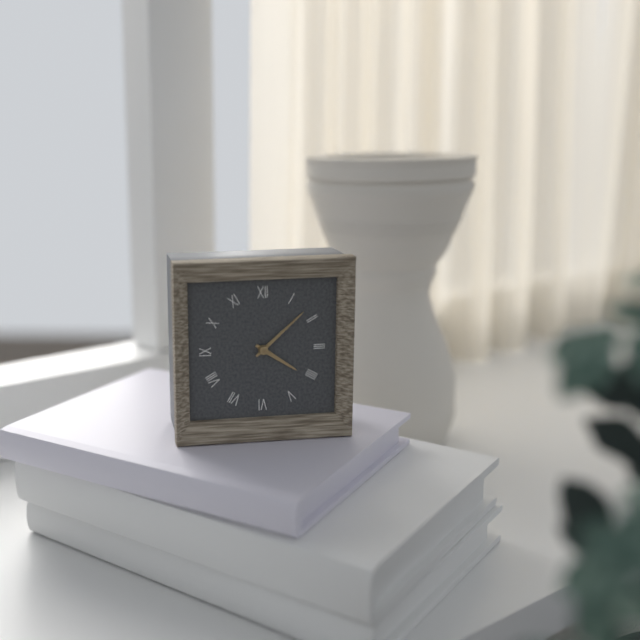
h=4 m=8
